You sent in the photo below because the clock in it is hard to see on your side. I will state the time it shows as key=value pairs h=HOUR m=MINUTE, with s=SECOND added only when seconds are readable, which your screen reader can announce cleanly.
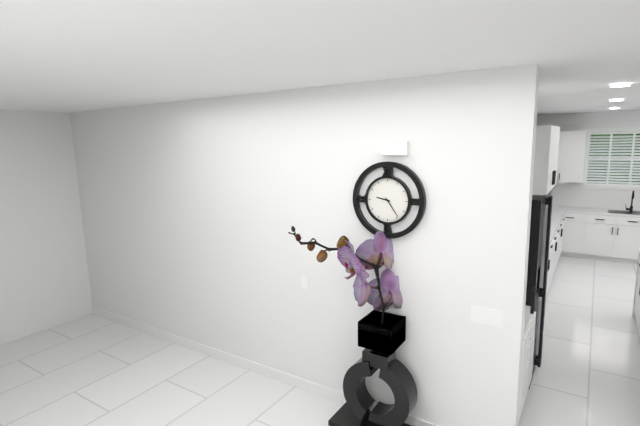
h=9 m=24
